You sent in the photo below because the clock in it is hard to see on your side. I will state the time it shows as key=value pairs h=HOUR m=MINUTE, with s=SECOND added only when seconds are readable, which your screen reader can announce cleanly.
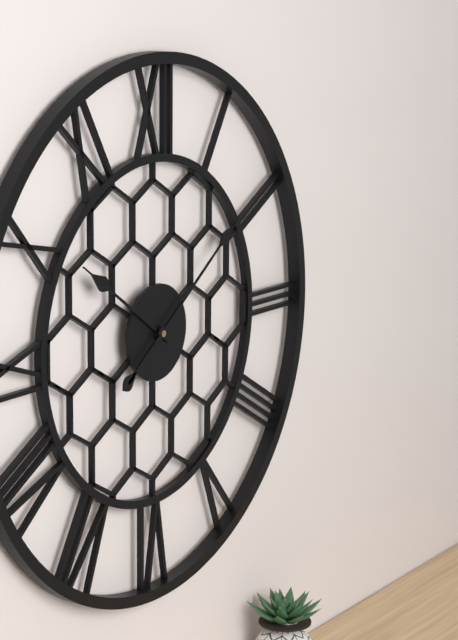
h=10 m=9
